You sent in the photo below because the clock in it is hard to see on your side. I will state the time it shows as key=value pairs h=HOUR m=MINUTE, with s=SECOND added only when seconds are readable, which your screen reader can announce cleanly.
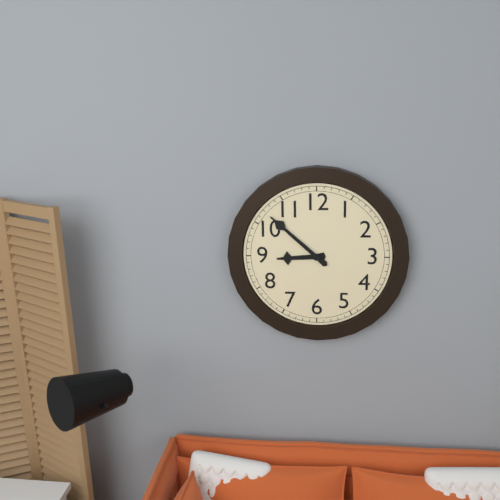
h=8 m=52
